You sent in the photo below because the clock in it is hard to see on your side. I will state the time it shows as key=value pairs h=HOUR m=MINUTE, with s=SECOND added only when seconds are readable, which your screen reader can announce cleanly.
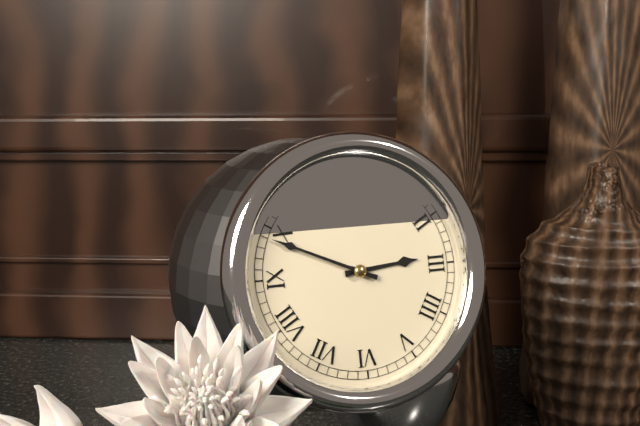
h=2 m=49
